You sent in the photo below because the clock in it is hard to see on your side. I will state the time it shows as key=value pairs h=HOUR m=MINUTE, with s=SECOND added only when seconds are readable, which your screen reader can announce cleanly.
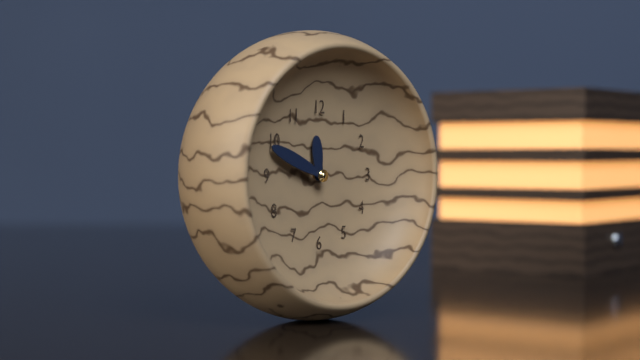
h=11 m=49
